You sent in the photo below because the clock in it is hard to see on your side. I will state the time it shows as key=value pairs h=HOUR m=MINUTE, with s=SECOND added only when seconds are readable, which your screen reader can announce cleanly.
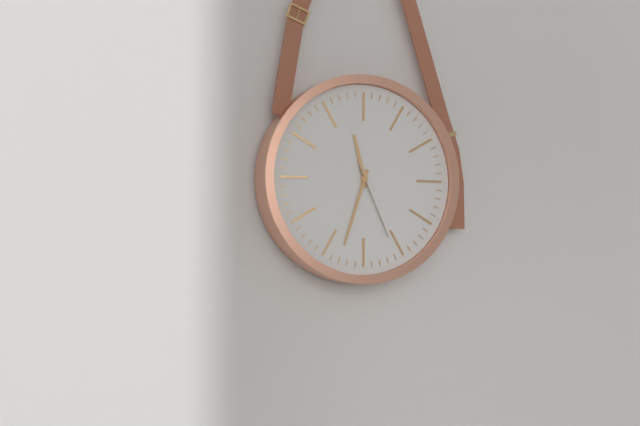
h=11 m=33 s=26
